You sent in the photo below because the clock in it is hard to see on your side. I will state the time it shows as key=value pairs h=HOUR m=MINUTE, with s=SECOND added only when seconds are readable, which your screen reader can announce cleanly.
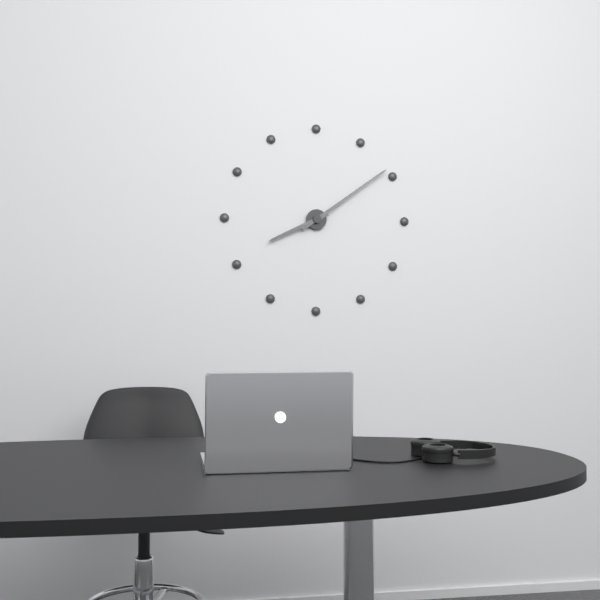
h=8 m=9
